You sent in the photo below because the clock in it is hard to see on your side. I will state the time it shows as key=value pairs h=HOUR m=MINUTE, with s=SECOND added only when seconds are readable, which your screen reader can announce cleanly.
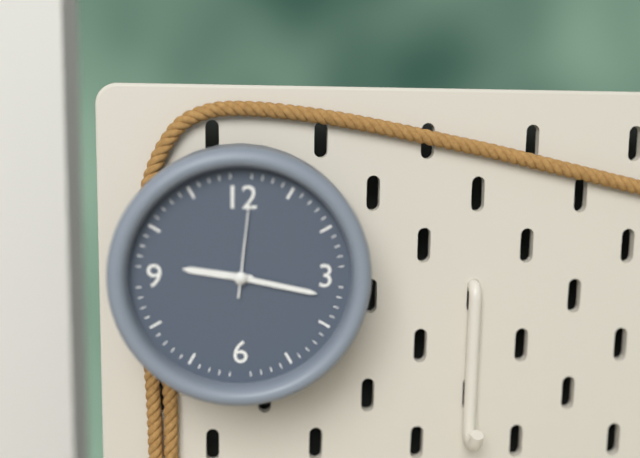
h=9 m=17 s=1
